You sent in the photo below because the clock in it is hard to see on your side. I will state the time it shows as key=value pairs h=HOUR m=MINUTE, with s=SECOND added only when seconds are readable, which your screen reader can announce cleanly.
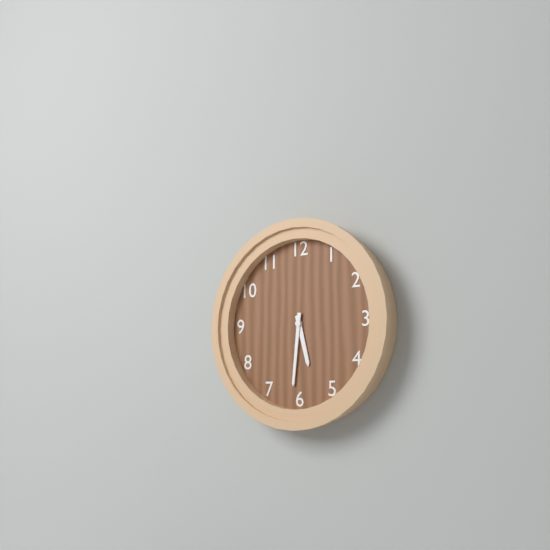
h=5 m=31
